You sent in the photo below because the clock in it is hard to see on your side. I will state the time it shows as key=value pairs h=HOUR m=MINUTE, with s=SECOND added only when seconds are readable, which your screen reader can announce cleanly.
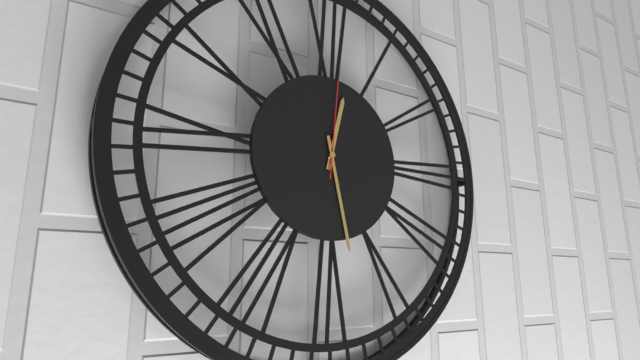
h=12 m=28 s=1
